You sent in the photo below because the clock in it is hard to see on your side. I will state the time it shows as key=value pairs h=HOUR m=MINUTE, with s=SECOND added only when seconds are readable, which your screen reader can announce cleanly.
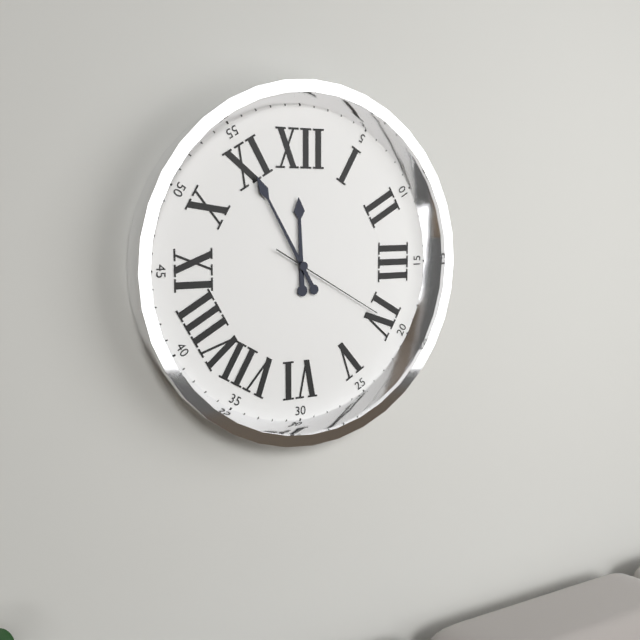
h=11 m=55 s=20
